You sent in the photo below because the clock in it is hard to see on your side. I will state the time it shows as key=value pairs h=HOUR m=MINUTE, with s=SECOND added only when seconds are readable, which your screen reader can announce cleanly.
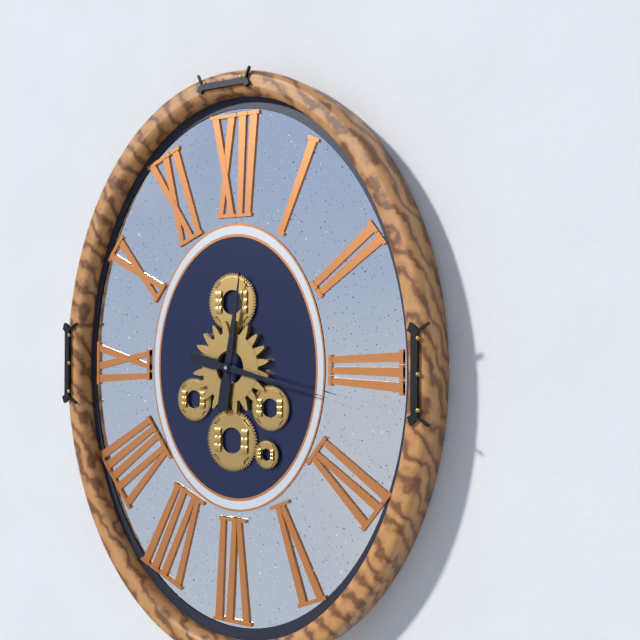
h=12 m=17
